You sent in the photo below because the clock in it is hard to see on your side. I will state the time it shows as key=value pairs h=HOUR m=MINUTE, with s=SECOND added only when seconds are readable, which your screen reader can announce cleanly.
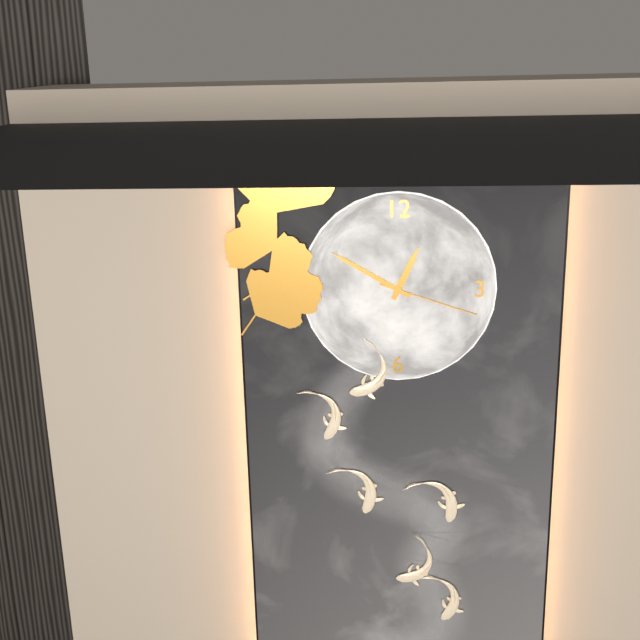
h=12 m=50 s=18
